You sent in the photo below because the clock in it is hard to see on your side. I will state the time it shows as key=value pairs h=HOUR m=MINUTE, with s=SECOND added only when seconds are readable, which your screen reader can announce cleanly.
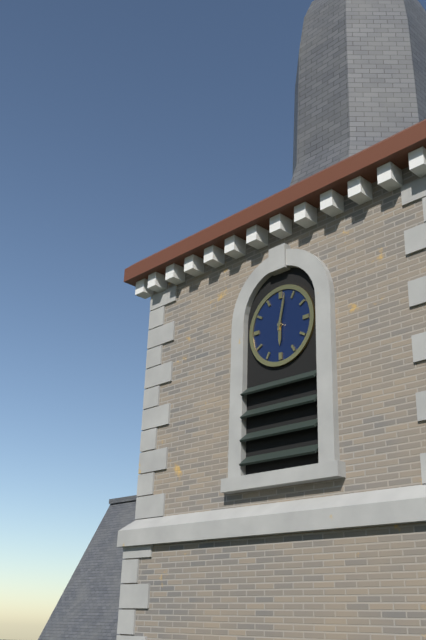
h=6 m=2
